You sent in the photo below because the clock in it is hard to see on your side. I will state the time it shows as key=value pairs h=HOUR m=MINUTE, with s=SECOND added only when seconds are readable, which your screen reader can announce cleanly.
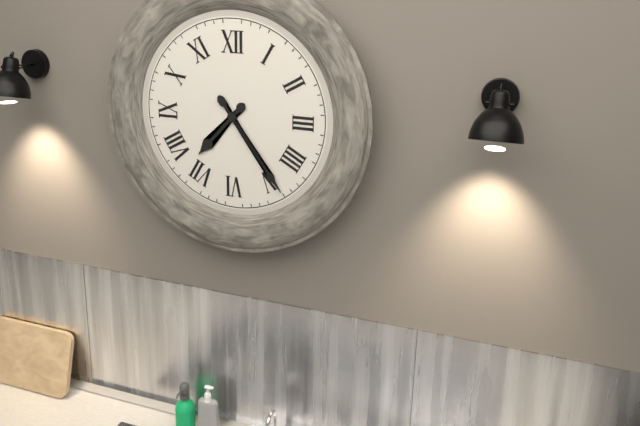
h=7 m=24
